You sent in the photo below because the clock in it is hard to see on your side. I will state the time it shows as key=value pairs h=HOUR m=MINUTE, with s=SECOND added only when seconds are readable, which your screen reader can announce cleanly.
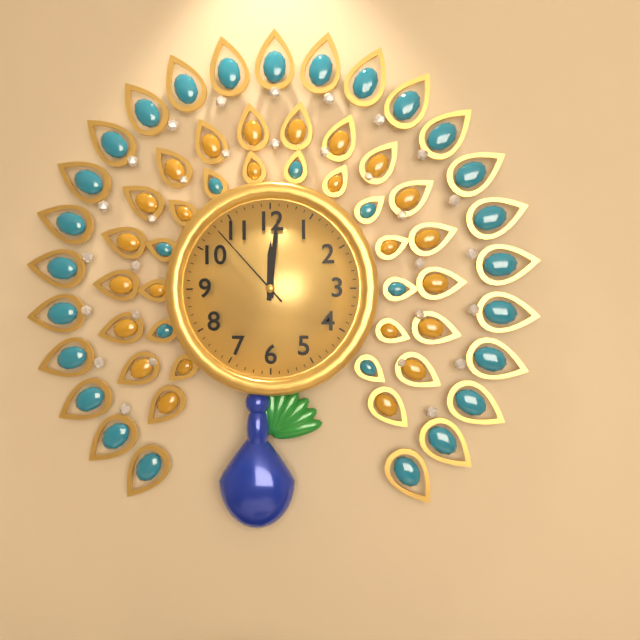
h=12 m=1 s=53
